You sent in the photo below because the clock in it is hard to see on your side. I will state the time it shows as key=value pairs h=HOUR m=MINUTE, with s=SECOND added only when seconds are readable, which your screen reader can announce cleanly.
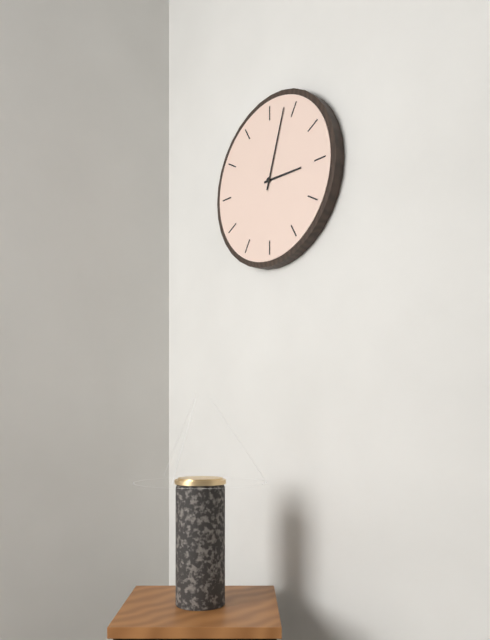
h=3 m=3
